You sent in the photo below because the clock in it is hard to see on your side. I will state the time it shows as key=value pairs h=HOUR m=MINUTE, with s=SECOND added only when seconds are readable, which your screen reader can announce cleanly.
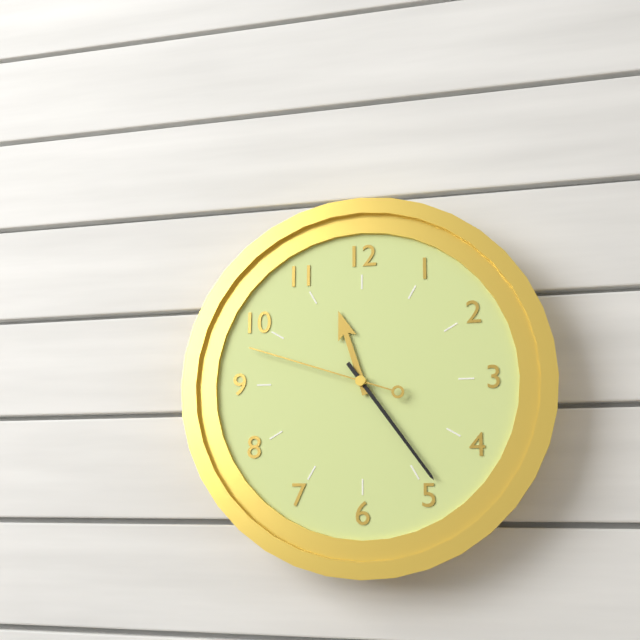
h=11 m=24 s=48
